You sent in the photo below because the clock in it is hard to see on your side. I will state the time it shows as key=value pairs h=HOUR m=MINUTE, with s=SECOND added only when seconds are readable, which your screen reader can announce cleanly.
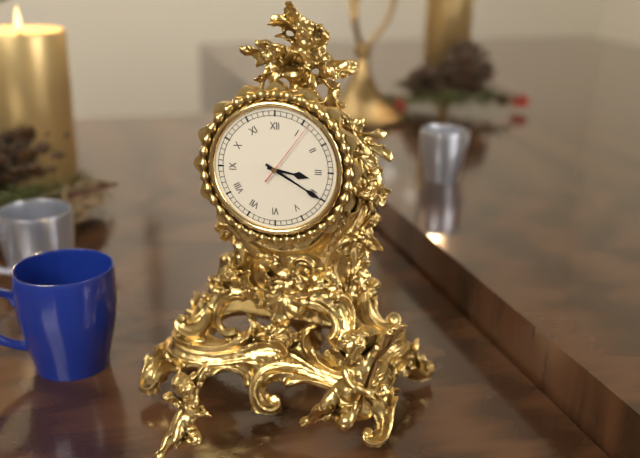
h=3 m=20 s=6
